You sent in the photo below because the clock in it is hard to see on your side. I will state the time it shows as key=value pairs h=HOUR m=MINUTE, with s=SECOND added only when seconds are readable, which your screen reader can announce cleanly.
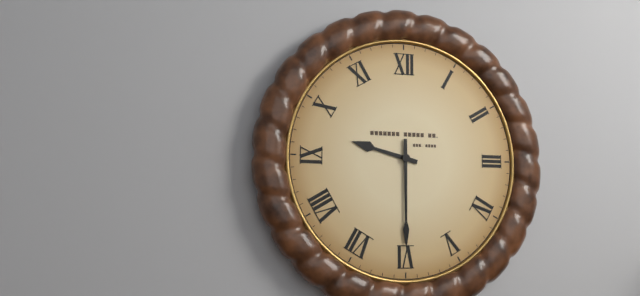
h=9 m=30
